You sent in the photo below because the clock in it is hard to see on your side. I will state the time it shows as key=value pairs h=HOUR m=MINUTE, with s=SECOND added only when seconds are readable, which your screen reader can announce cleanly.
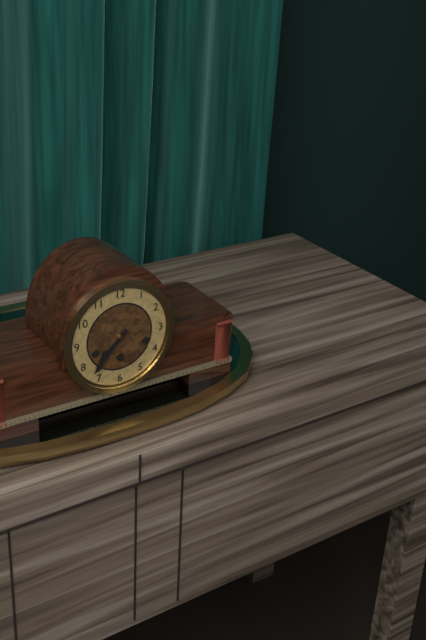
h=7 m=37
